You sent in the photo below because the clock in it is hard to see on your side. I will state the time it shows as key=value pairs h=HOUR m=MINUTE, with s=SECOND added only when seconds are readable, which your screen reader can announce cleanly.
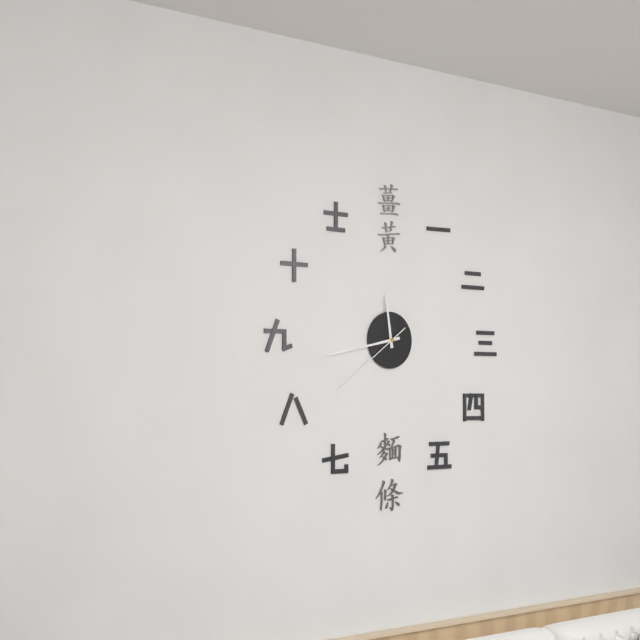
h=11 m=43 s=39
